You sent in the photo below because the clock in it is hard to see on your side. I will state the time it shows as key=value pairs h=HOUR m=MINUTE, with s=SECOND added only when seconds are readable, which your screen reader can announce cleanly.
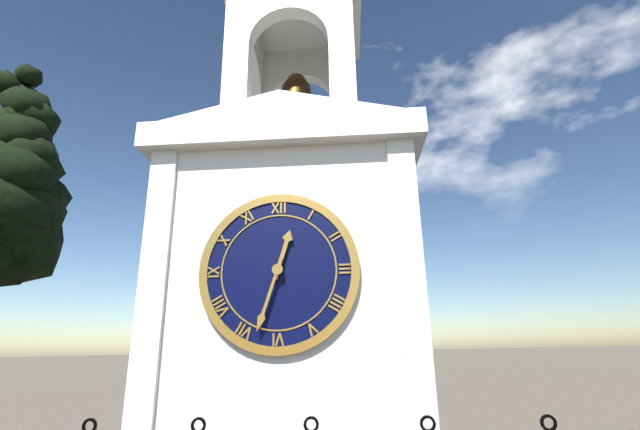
h=12 m=33
